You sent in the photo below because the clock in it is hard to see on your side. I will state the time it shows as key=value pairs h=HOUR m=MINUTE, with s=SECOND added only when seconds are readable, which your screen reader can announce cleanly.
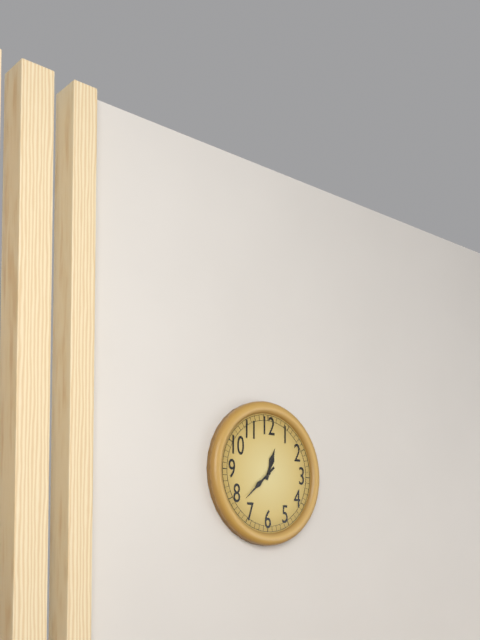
h=12 m=38
